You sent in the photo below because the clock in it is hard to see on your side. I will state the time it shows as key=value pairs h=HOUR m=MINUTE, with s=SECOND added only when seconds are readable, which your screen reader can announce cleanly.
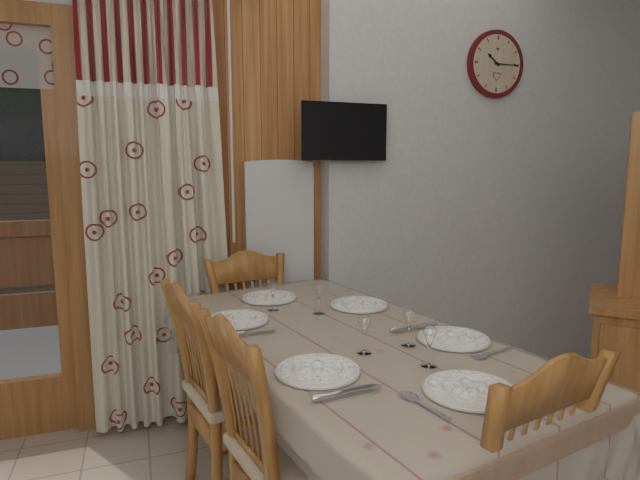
h=10 m=15
